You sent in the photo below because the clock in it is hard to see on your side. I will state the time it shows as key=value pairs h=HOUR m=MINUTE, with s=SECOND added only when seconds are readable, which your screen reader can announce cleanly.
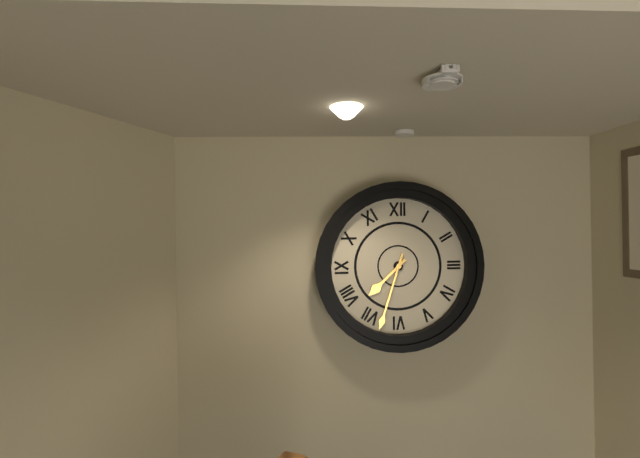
h=7 m=33
